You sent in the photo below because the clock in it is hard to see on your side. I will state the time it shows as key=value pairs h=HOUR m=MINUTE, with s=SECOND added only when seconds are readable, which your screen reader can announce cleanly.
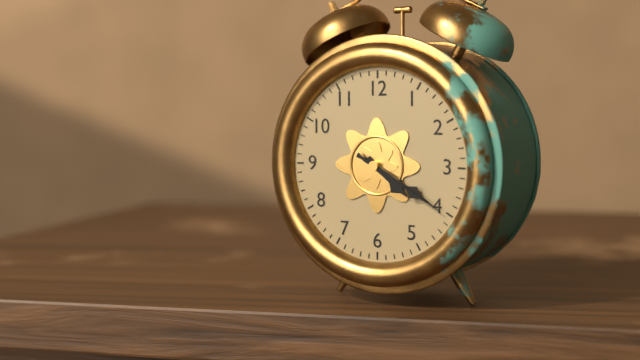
h=4 m=20 s=20
